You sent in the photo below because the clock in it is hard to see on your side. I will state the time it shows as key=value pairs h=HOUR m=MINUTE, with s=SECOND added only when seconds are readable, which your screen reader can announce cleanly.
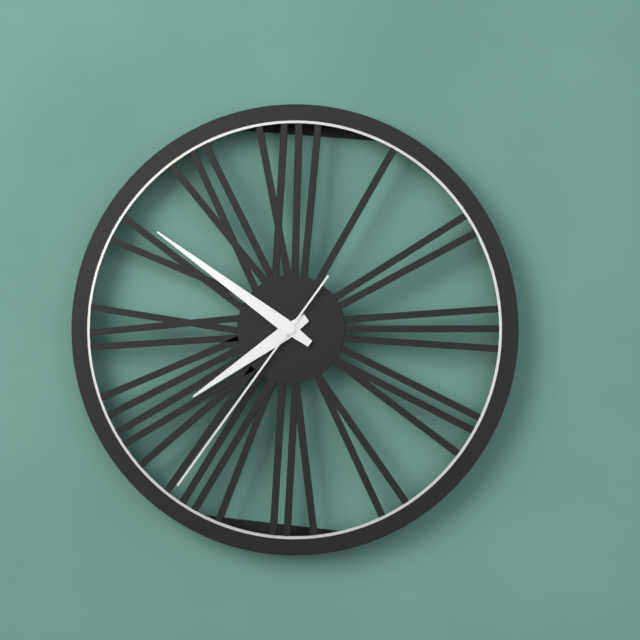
h=7 m=51 s=36
